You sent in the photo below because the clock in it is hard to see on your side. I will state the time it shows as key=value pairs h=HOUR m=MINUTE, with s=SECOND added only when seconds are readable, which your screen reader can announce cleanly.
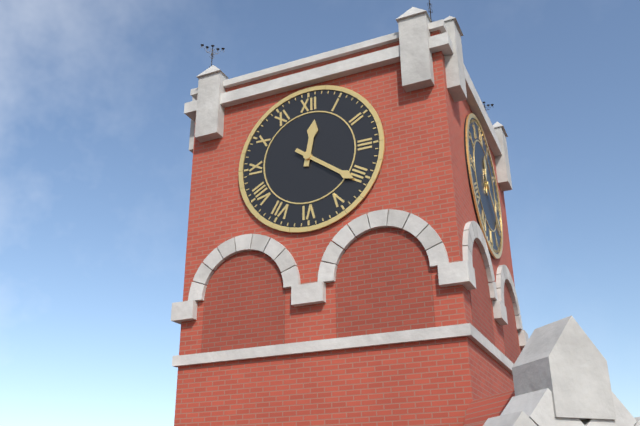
h=12 m=21
